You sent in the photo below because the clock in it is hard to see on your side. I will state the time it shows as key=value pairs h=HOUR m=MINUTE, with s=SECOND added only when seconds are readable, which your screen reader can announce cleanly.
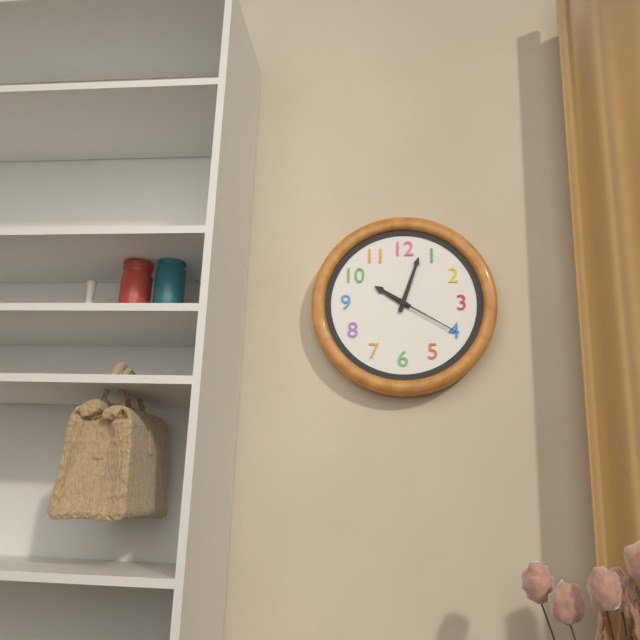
h=10 m=3 s=20
